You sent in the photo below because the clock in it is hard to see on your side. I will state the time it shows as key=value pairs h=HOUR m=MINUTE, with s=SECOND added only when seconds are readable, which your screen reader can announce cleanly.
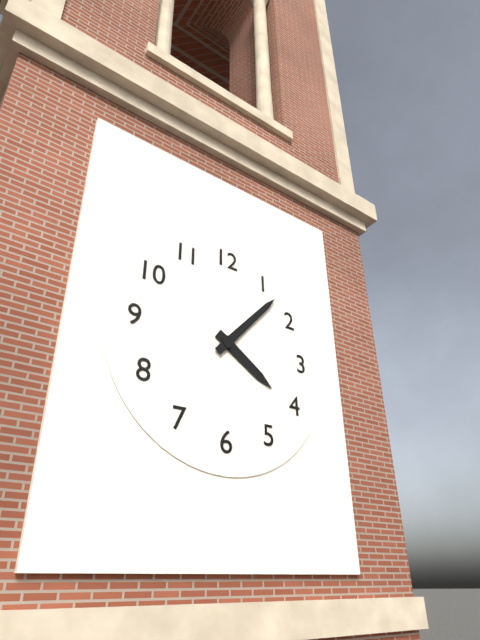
h=4 m=7
